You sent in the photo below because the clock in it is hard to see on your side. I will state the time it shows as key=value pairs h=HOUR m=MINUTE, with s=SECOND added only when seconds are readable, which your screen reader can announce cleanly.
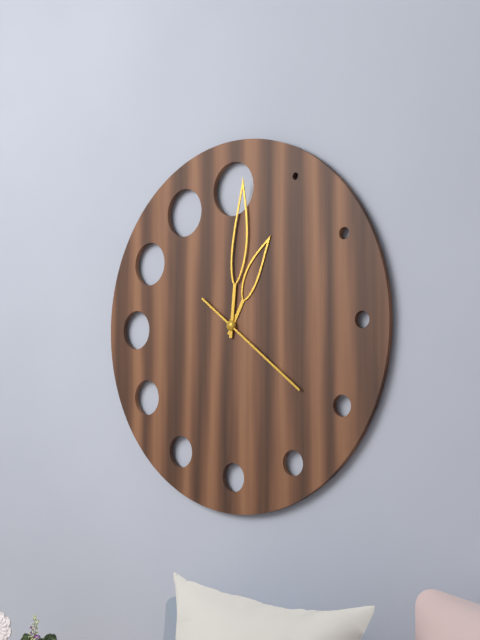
h=1 m=1 s=21
